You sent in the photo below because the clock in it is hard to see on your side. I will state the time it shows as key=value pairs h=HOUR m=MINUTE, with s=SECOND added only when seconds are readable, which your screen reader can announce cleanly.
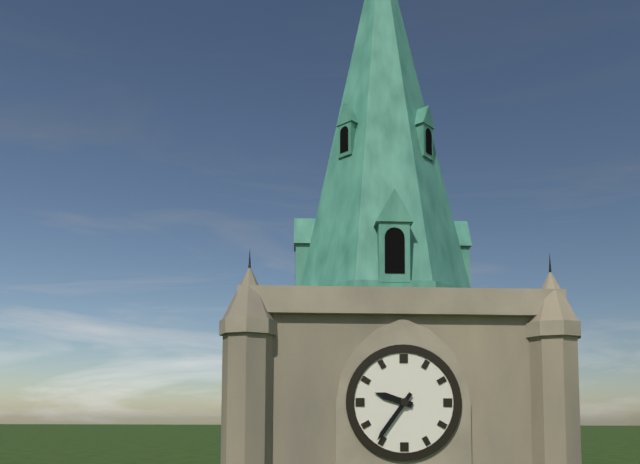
h=9 m=36
